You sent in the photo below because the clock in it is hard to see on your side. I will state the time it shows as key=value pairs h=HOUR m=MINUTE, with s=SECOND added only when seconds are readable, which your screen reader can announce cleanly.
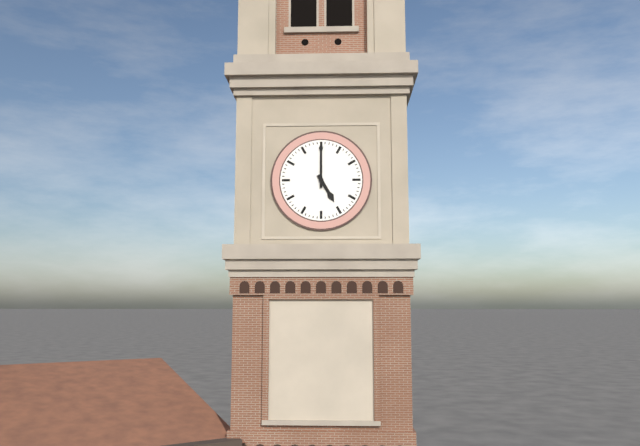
h=5 m=0
